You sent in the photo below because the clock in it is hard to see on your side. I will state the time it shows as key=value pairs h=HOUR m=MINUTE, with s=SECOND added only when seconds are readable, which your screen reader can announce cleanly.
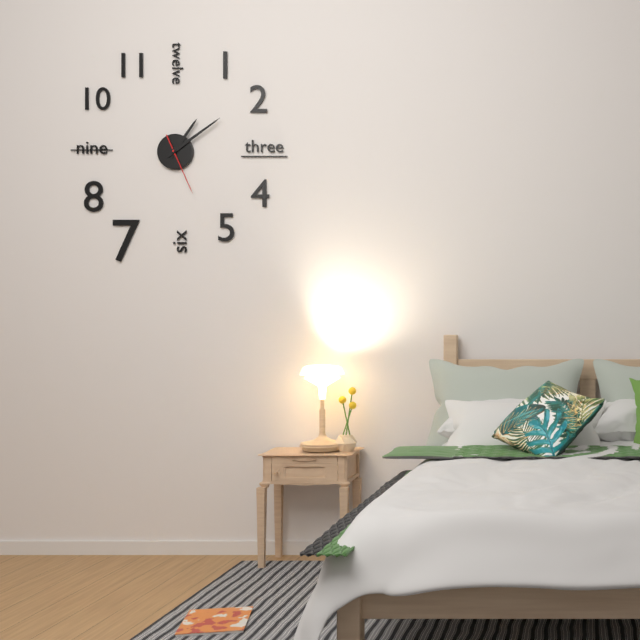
h=1 m=9 s=26
